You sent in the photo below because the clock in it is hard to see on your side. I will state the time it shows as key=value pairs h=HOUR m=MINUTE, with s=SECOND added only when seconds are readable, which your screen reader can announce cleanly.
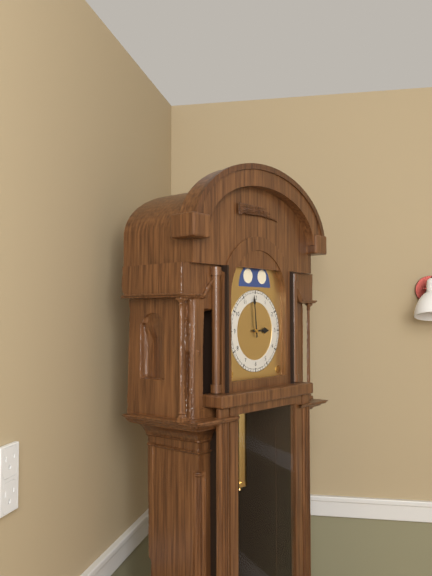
h=2 m=59
